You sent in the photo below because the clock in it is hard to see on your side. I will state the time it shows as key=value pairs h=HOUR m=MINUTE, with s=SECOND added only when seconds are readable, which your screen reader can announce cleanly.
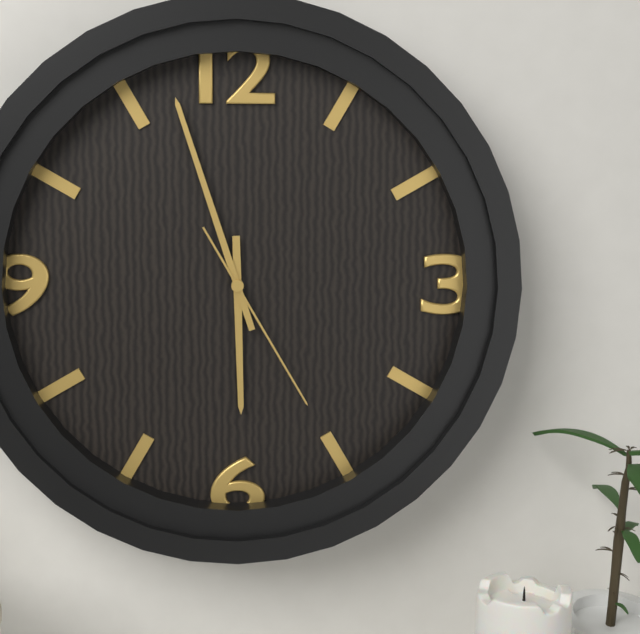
h=5 m=57 s=25
